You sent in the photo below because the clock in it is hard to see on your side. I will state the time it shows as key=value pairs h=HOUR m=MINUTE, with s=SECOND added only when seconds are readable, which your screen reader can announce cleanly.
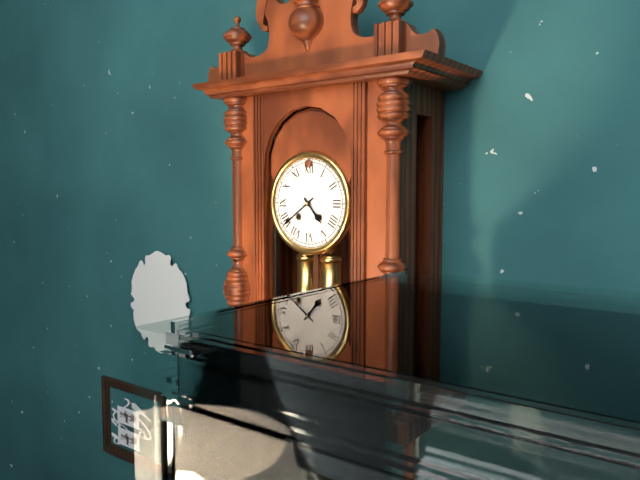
h=4 m=39
